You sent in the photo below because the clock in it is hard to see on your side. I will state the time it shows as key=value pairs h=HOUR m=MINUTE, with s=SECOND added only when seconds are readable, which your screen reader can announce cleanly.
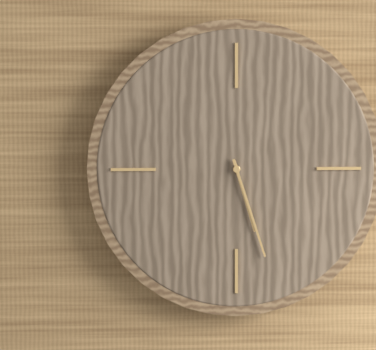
h=5 m=27
